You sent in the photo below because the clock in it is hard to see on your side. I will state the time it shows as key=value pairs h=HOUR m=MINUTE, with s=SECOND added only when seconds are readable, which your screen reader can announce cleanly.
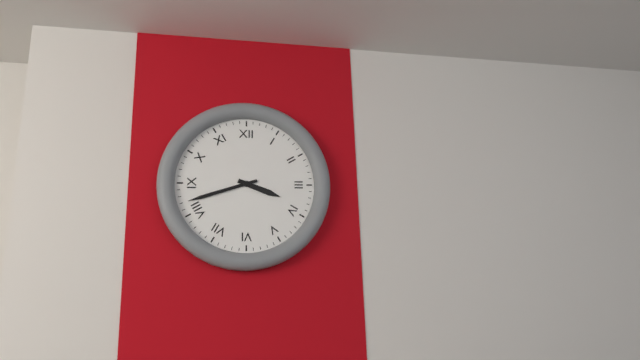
h=3 m=42
